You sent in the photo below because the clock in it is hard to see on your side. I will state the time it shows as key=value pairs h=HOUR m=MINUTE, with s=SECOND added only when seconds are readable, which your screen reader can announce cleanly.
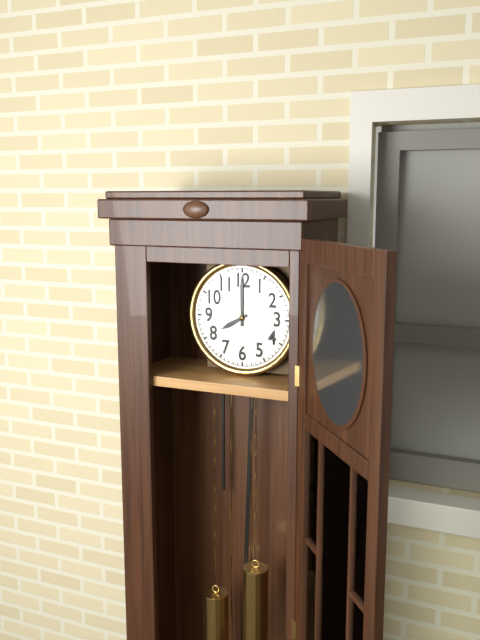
h=8 m=0
